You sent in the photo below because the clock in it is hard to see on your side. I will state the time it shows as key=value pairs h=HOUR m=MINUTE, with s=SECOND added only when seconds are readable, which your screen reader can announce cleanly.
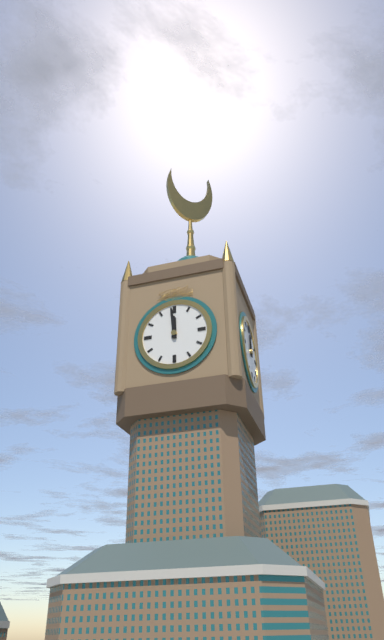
h=11 m=59
